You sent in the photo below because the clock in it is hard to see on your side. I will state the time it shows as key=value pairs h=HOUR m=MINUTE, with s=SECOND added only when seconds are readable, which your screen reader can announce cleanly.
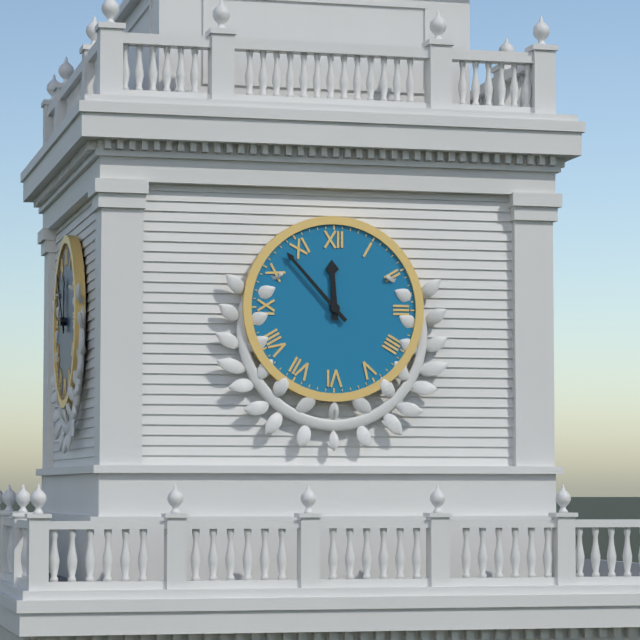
h=11 m=53
